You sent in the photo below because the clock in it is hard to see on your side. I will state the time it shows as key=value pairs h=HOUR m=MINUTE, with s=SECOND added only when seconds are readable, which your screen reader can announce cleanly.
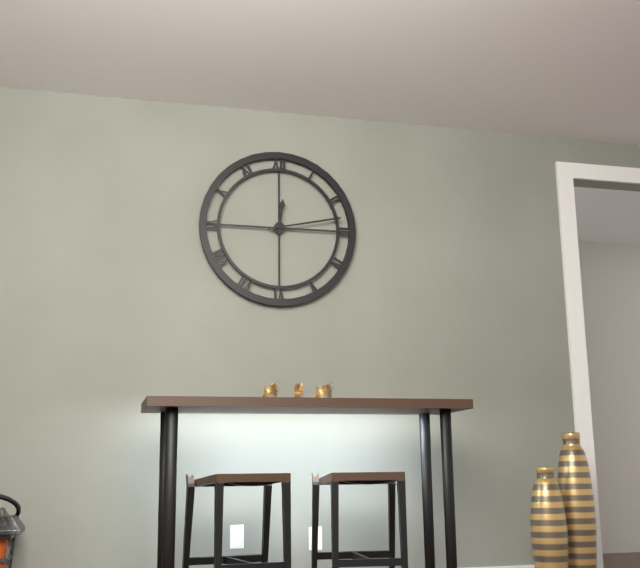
h=12 m=13
